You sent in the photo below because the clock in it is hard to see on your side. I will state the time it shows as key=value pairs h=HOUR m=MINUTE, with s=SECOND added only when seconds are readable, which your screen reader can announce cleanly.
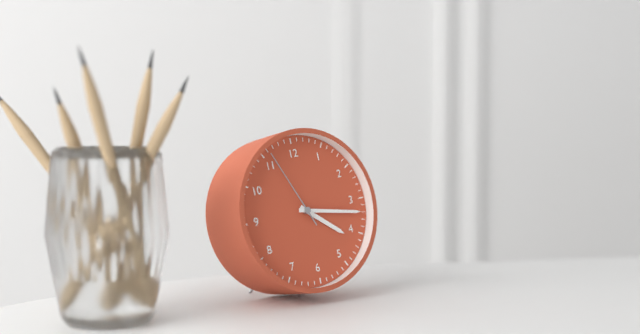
h=4 m=17 s=56
